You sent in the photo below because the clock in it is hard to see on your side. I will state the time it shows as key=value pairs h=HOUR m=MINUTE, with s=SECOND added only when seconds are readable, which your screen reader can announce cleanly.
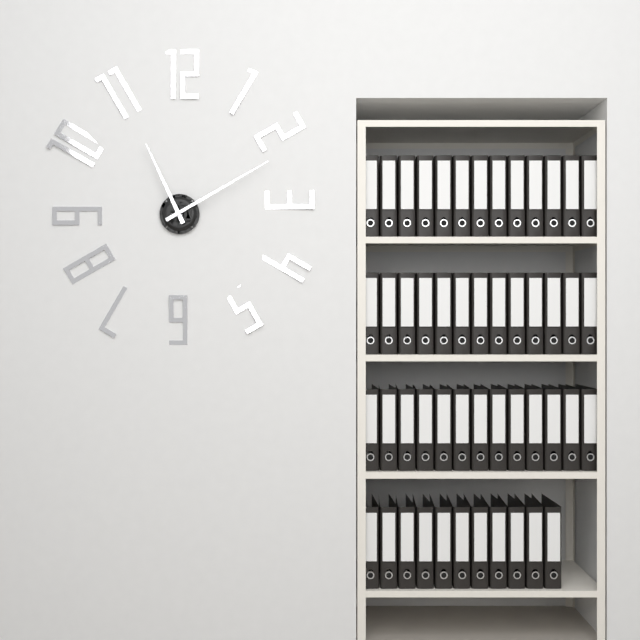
h=11 m=10
